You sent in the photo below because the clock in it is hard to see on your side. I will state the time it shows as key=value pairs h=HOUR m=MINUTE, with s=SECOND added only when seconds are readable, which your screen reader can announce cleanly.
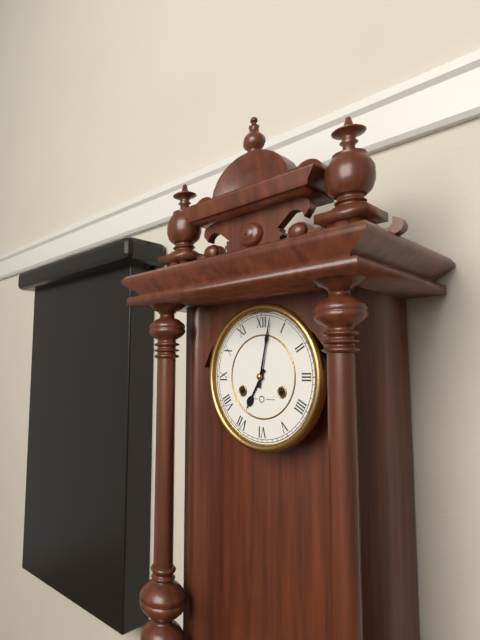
h=7 m=2
